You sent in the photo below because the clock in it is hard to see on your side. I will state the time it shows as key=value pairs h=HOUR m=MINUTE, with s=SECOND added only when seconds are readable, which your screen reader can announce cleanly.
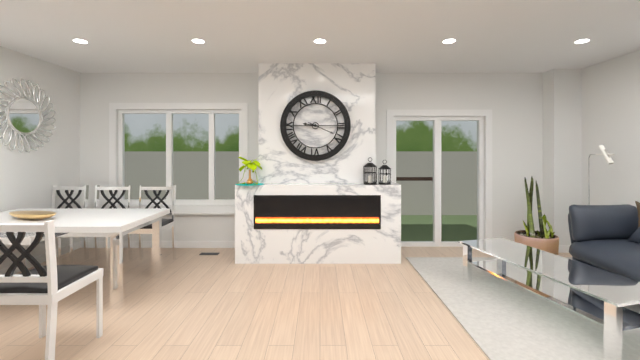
h=9 m=19
